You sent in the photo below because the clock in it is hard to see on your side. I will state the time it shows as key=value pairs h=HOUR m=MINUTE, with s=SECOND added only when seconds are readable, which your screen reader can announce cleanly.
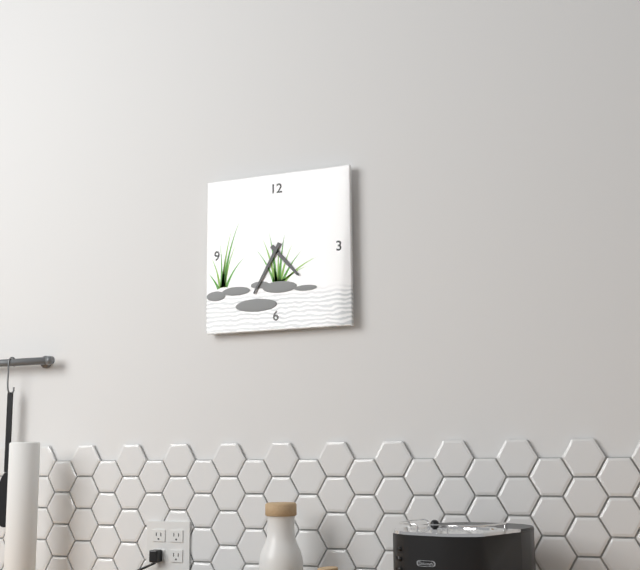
h=4 m=35
